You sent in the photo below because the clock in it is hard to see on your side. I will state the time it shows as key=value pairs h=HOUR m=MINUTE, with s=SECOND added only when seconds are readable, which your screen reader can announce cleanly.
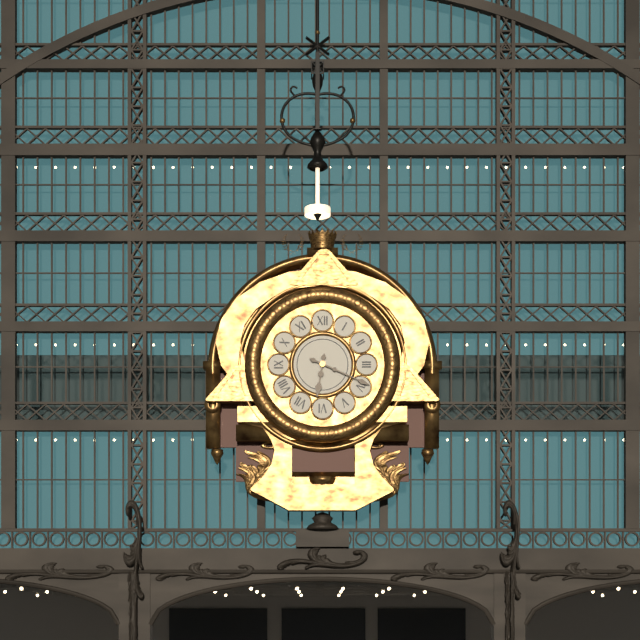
h=6 m=19
